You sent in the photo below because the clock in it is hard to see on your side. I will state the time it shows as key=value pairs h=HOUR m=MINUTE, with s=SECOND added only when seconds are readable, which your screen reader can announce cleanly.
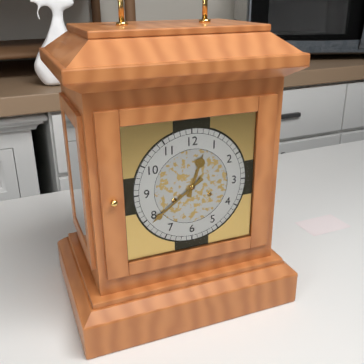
h=12 m=39
